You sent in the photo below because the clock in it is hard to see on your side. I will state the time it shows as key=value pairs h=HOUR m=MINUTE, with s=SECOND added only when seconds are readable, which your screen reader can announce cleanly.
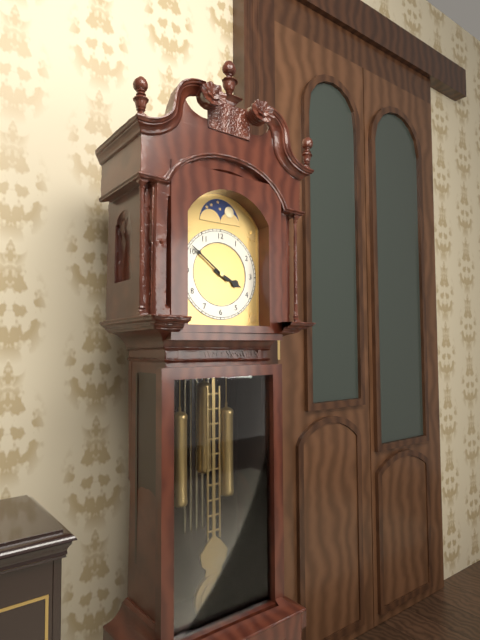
h=3 m=51
